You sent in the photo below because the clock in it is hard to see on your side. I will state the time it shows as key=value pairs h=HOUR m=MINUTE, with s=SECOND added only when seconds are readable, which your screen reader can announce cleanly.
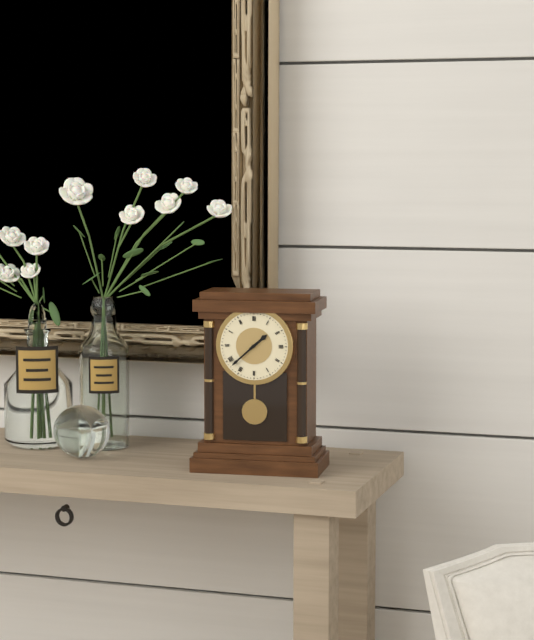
h=1 m=38
